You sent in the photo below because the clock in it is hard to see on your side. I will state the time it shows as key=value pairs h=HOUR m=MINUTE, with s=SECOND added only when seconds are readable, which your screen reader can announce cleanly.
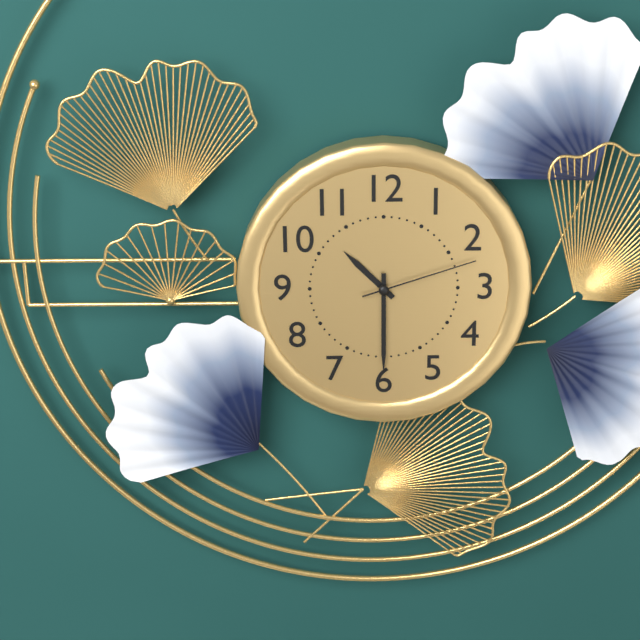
h=10 m=30 s=12
